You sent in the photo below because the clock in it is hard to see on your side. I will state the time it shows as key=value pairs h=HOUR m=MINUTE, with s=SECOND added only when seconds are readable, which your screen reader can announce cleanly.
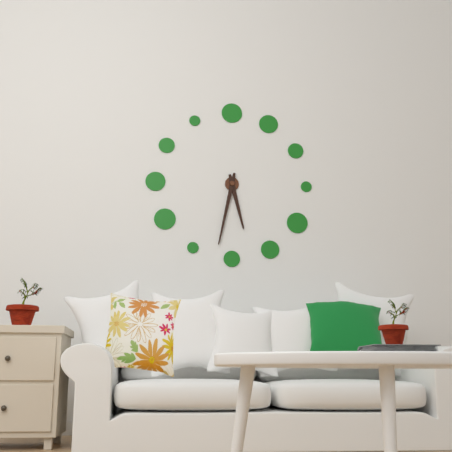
h=5 m=32
